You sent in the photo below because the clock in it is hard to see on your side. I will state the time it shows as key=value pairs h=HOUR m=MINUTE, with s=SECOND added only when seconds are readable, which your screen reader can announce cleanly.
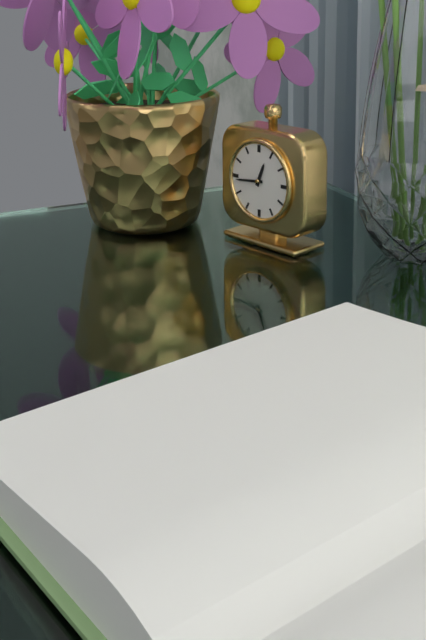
h=12 m=44
